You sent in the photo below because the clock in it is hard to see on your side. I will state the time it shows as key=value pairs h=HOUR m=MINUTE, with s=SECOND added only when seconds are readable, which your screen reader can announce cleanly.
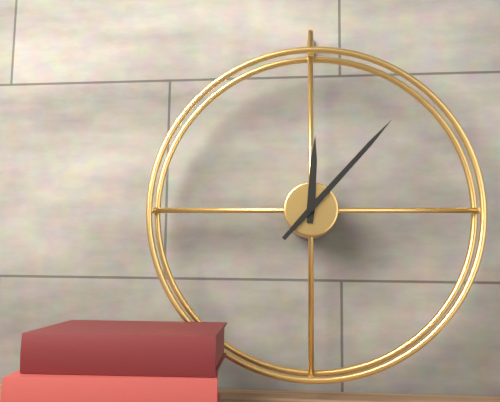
h=12 m=7
